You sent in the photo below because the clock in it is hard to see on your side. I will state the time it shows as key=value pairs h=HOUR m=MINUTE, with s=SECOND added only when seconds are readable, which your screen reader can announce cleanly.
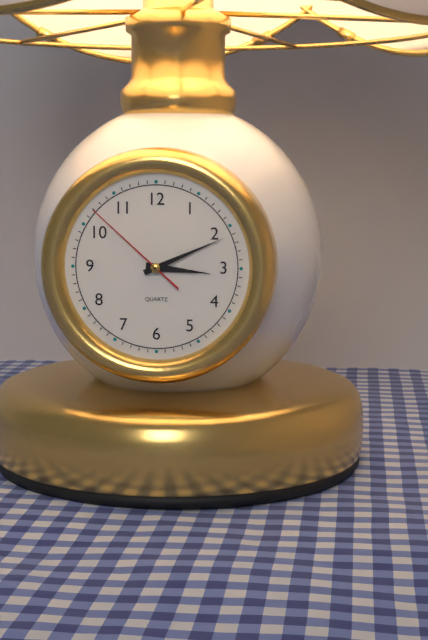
h=3 m=11 s=52
